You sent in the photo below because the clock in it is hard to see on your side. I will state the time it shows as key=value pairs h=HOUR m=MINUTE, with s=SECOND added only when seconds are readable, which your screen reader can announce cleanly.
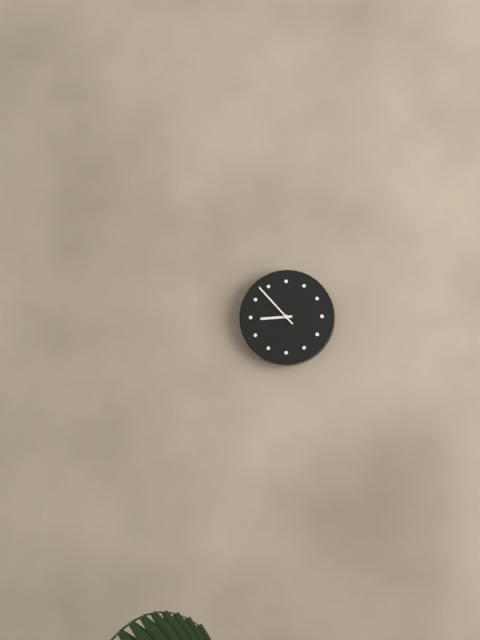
h=8 m=53
